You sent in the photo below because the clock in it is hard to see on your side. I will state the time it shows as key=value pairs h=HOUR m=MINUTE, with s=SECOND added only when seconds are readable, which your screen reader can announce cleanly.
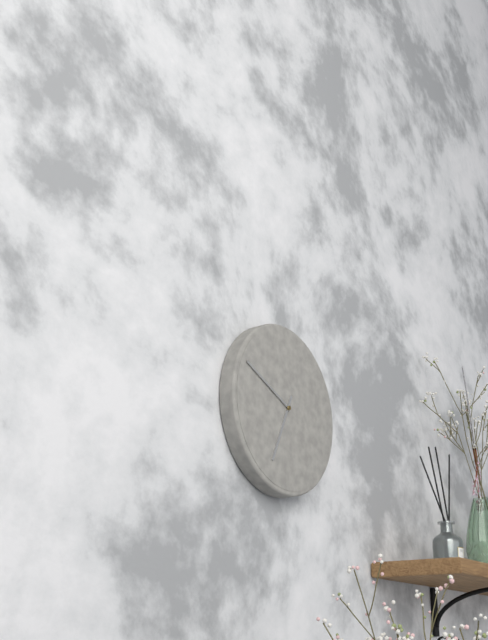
h=6 m=49
